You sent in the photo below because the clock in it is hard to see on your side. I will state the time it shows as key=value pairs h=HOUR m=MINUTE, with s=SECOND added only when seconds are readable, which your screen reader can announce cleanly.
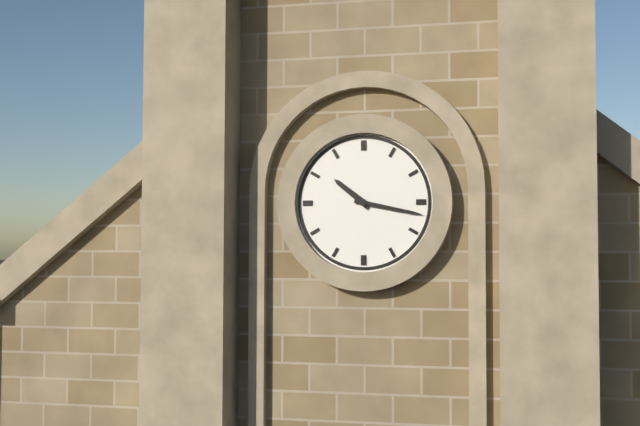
h=10 m=17
